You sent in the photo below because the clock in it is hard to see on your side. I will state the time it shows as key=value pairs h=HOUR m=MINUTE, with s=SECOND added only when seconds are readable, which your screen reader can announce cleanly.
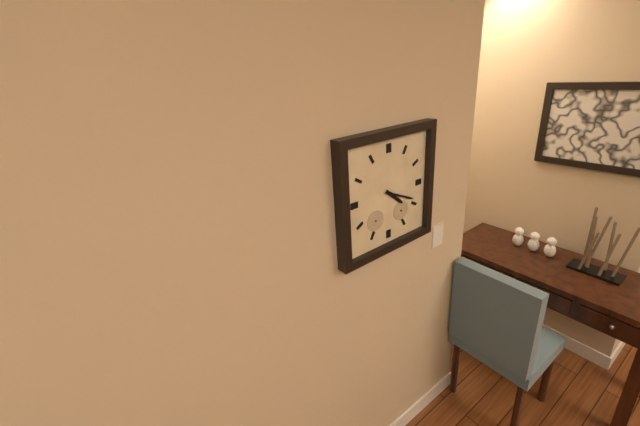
h=4 m=19
